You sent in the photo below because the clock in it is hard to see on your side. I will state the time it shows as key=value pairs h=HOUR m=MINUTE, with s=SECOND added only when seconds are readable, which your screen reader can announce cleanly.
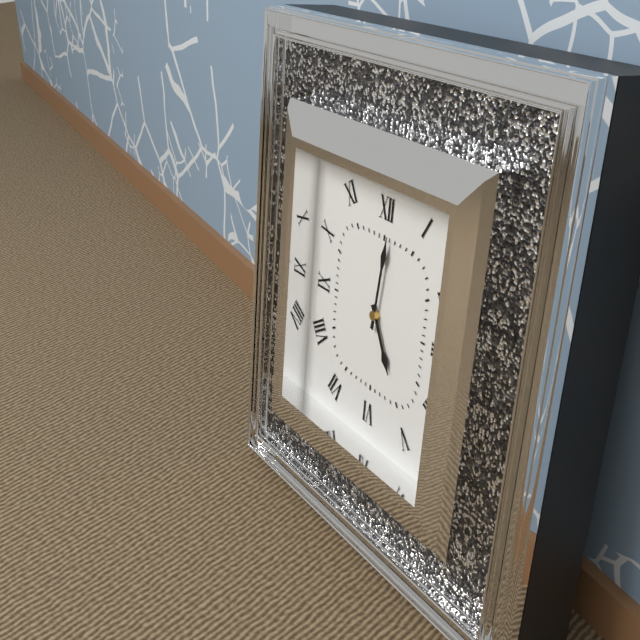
h=5 m=1
